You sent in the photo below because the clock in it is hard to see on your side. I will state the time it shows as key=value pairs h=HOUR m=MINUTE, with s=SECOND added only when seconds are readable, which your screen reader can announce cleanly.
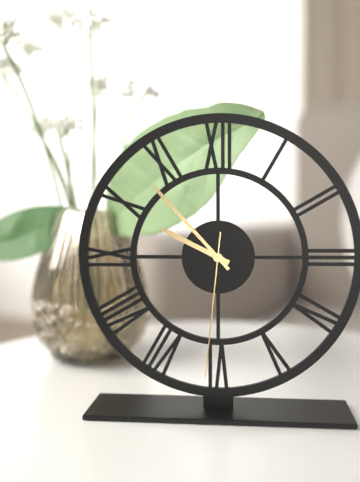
h=9 m=53 s=31
